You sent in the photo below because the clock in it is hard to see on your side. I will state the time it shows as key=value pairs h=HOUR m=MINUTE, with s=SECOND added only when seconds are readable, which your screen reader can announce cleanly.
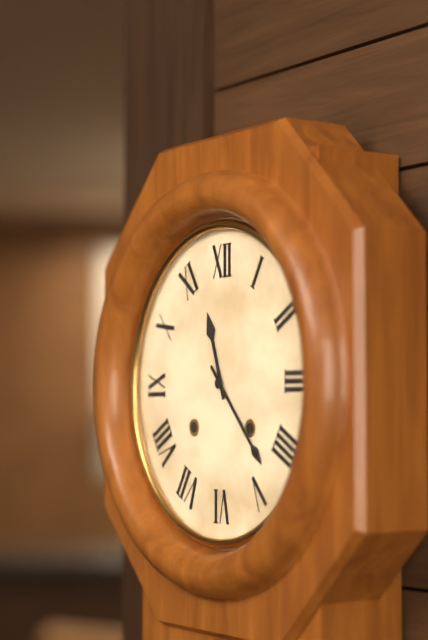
h=11 m=23
